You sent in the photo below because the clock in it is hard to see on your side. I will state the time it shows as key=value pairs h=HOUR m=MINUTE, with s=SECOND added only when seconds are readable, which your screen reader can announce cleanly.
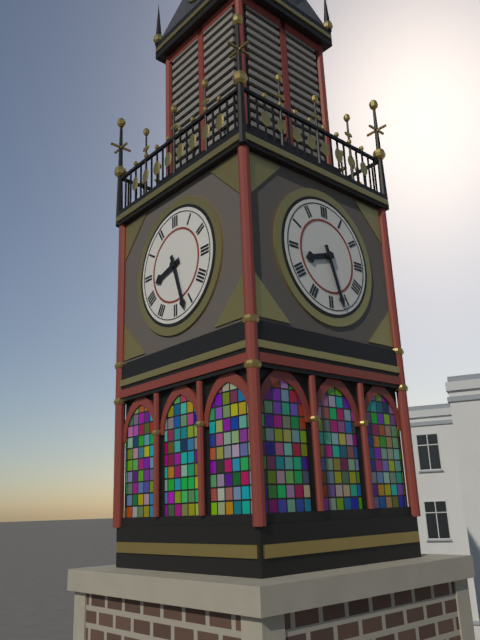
h=8 m=27
